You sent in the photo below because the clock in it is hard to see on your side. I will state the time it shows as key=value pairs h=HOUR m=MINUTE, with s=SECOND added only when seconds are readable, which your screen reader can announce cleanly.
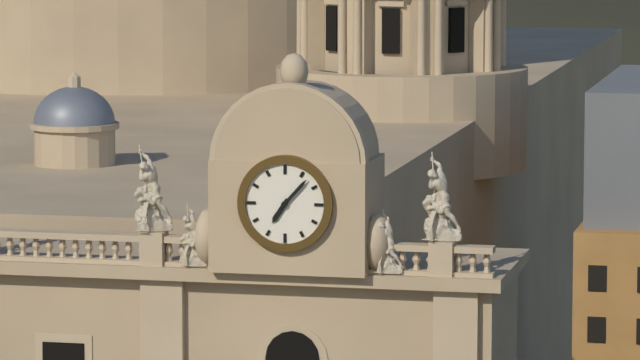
h=7 m=7
